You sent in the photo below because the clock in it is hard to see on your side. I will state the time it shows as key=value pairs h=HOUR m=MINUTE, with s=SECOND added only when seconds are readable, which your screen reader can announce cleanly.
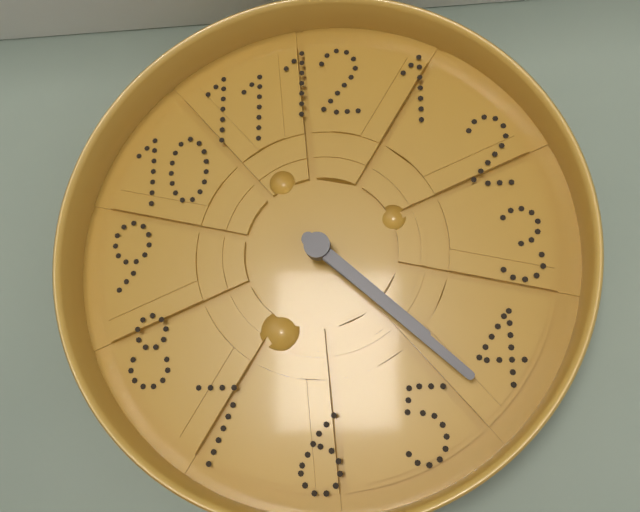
h=4 m=22
